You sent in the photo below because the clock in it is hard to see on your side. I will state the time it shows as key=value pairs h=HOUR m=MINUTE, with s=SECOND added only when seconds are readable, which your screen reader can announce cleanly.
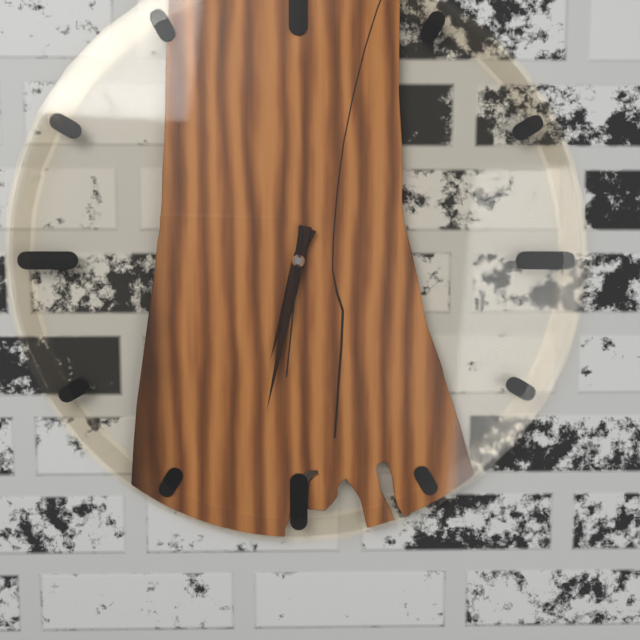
h=6 m=32 s=31
